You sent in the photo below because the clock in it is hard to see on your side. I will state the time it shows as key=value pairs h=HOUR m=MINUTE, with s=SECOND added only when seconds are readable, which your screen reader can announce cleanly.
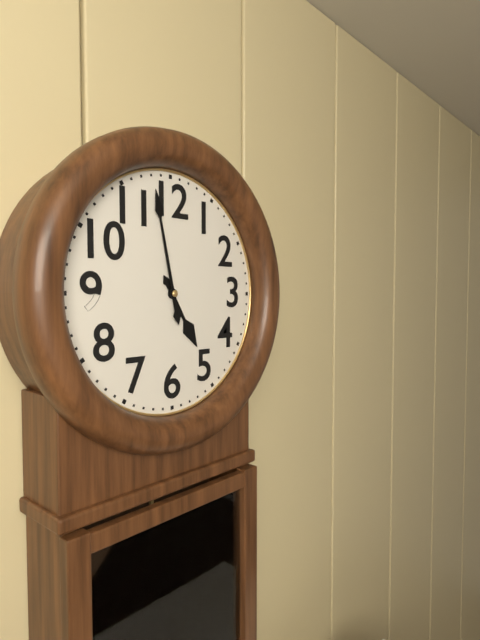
h=4 m=58
